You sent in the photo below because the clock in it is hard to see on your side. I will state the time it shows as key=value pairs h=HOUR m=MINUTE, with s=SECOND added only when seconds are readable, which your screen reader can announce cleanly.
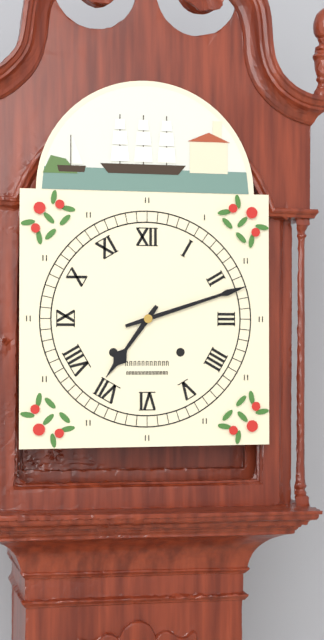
h=7 m=12
